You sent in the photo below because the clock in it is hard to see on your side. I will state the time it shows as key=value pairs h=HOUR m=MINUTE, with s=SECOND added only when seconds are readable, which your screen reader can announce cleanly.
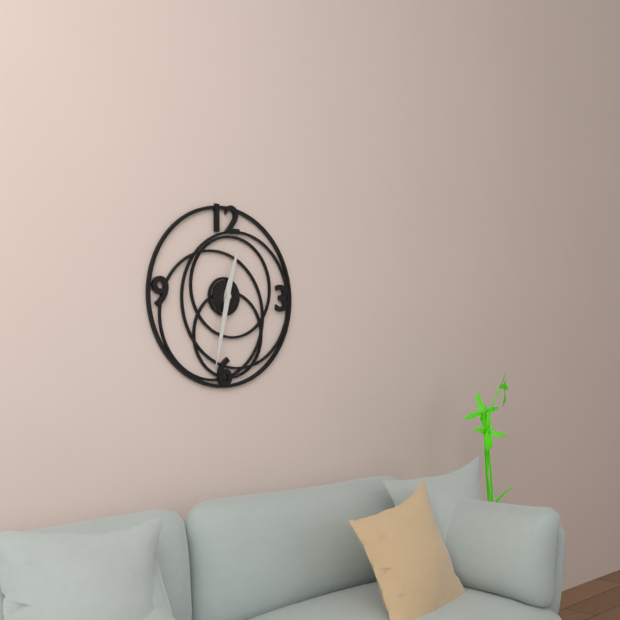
h=12 m=32
